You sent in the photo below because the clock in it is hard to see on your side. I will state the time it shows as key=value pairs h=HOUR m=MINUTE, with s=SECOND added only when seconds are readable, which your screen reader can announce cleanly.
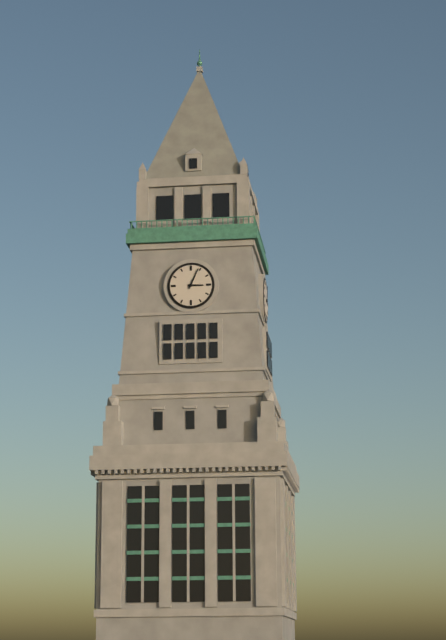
h=3 m=4
